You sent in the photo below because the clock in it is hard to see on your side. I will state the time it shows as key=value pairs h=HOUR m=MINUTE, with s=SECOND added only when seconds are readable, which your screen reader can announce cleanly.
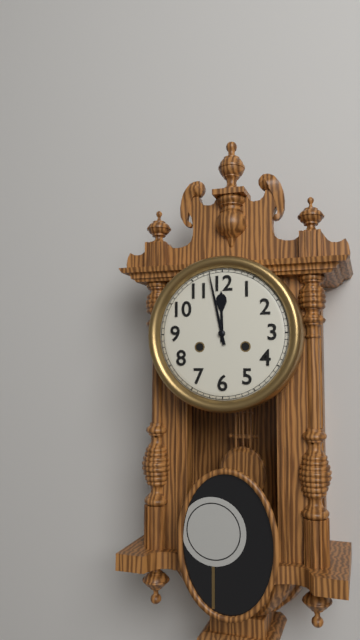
h=11 m=58
